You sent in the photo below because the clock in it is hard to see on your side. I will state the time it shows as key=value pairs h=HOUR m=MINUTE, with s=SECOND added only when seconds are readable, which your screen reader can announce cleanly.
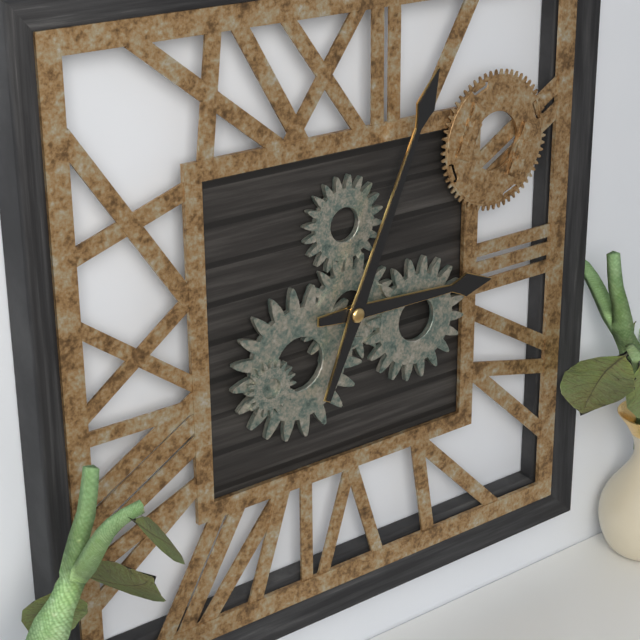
h=3 m=4
